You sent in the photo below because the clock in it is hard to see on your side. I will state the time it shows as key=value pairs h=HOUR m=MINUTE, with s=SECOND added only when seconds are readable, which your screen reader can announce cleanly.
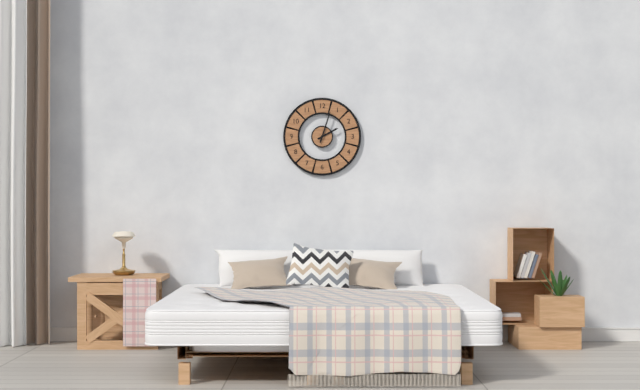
h=2 m=3
